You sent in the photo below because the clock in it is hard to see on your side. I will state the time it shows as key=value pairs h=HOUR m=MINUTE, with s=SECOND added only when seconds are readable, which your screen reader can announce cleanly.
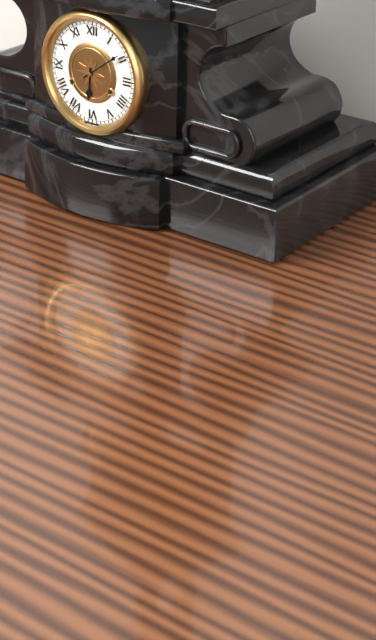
h=6 m=9
